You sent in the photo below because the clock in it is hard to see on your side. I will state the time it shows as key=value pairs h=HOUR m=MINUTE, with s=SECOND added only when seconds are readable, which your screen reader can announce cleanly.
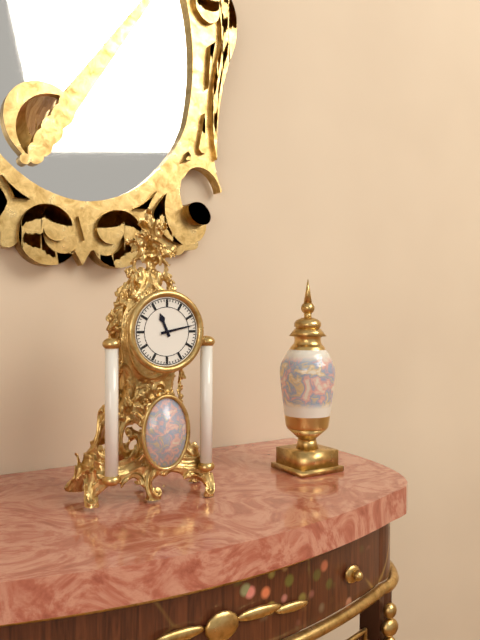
h=11 m=13
